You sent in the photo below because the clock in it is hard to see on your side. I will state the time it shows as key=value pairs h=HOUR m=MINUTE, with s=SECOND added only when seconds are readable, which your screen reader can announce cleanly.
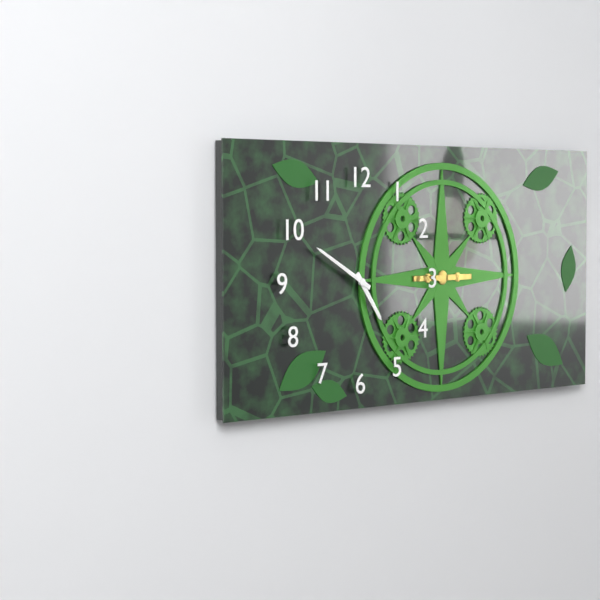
h=4 m=50
